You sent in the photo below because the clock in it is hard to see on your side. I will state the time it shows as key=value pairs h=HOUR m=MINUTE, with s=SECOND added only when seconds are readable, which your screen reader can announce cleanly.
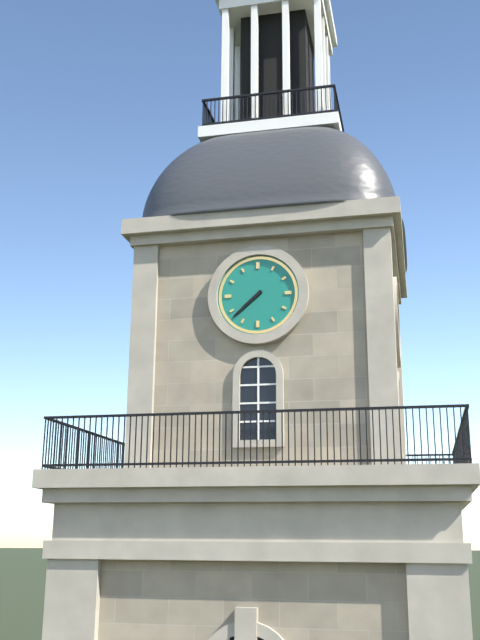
h=7 m=38
